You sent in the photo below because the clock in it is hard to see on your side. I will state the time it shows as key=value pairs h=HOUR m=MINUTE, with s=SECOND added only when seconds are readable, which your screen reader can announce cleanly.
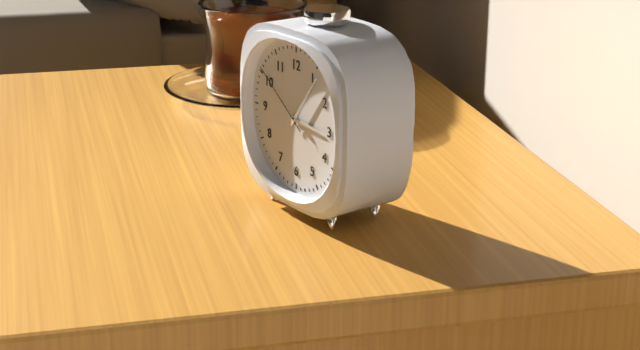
h=3 m=6 s=51
